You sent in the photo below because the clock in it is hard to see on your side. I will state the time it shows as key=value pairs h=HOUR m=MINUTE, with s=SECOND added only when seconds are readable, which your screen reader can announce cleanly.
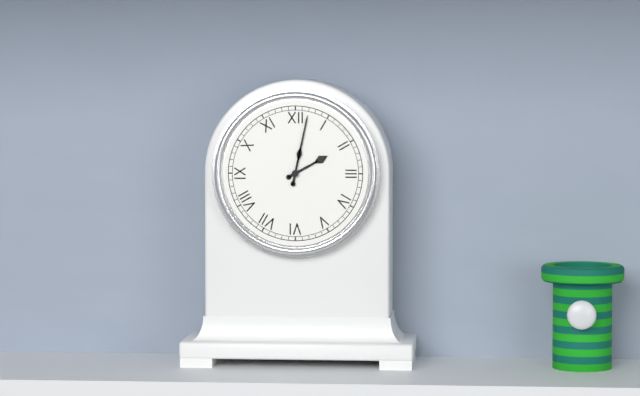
h=2 m=2
